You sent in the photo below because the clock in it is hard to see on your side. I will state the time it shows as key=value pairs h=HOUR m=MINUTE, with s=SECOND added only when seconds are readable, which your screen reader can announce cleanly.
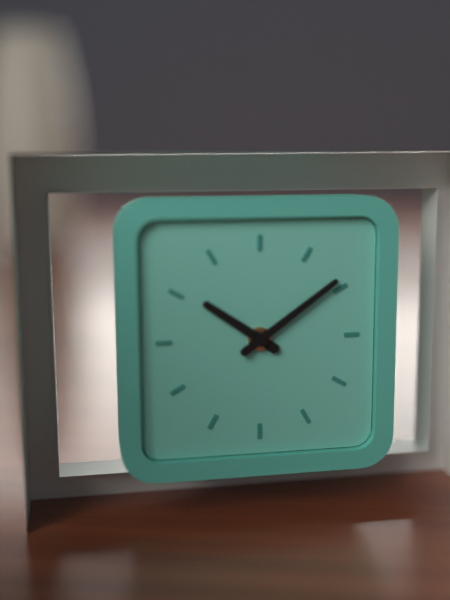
h=10 m=9
